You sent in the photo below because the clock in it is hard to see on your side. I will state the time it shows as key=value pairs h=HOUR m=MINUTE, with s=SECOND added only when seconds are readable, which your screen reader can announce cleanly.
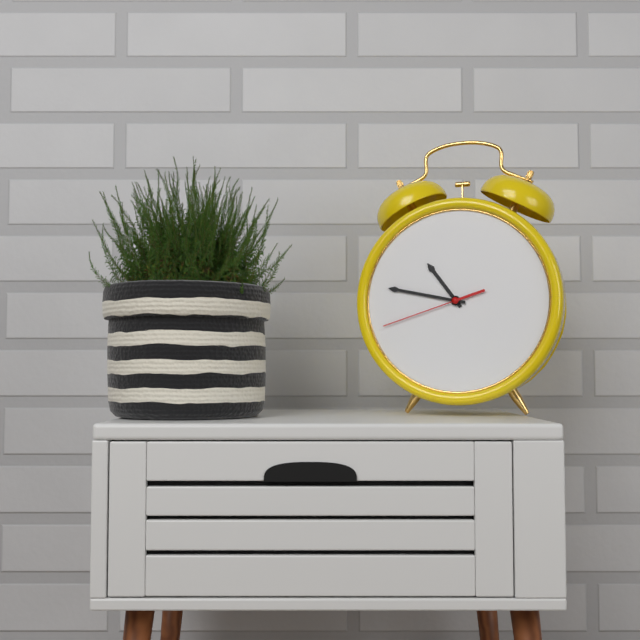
h=10 m=47 s=42
